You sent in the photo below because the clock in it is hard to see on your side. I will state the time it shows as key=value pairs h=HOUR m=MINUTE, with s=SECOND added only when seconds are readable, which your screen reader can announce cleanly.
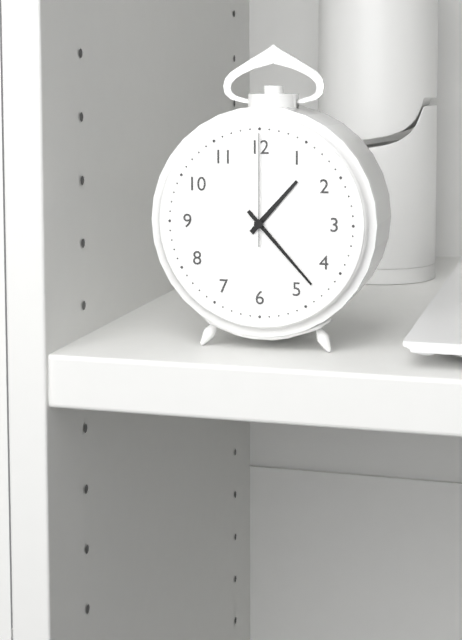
h=1 m=23 s=0
